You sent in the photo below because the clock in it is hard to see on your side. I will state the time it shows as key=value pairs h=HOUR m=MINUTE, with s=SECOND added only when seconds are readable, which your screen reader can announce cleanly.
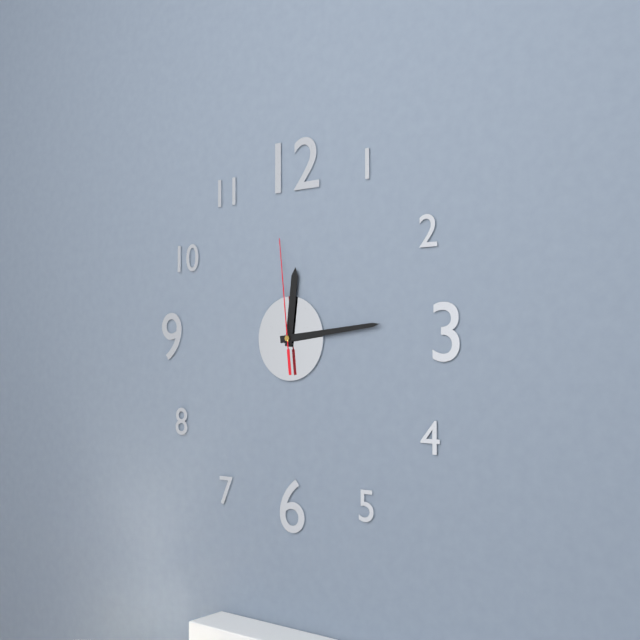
h=12 m=14 s=59
